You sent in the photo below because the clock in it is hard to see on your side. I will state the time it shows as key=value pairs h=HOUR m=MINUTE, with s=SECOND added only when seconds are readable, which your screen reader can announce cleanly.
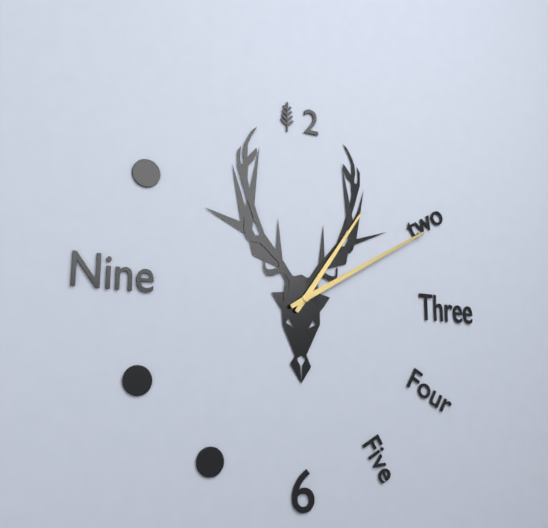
h=1 m=10
